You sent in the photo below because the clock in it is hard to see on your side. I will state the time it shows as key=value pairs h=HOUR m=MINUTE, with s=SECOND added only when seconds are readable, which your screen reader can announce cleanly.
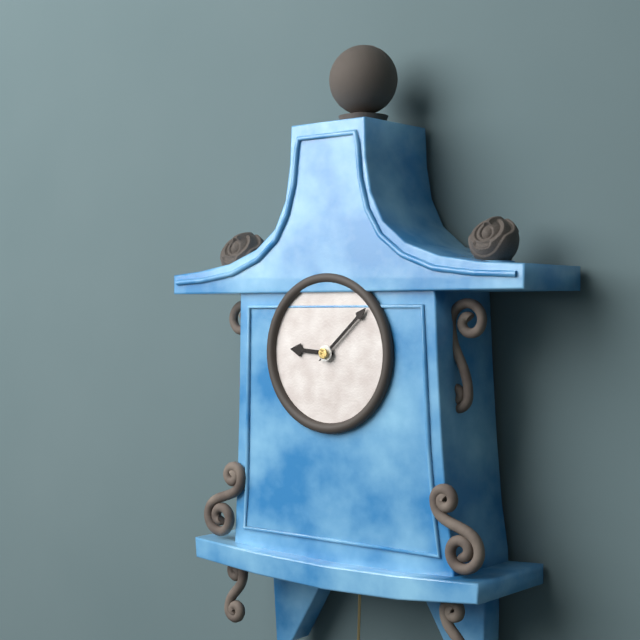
h=9 m=8
